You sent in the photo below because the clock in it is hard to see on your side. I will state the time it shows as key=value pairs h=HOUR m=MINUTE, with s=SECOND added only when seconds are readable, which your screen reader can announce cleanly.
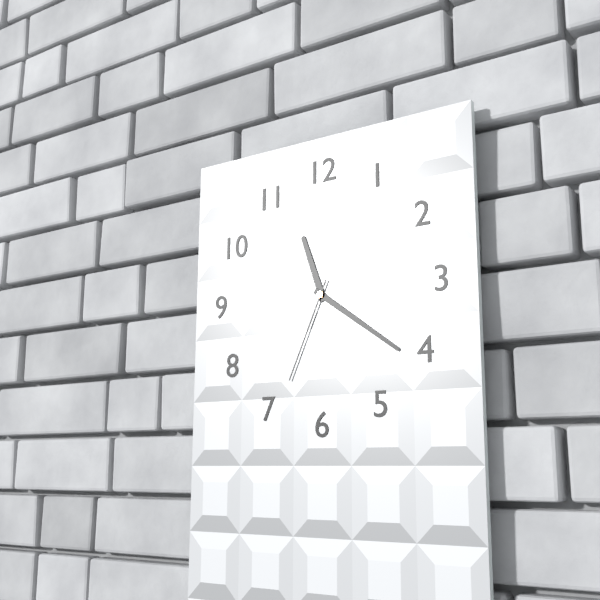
h=11 m=21 s=34
